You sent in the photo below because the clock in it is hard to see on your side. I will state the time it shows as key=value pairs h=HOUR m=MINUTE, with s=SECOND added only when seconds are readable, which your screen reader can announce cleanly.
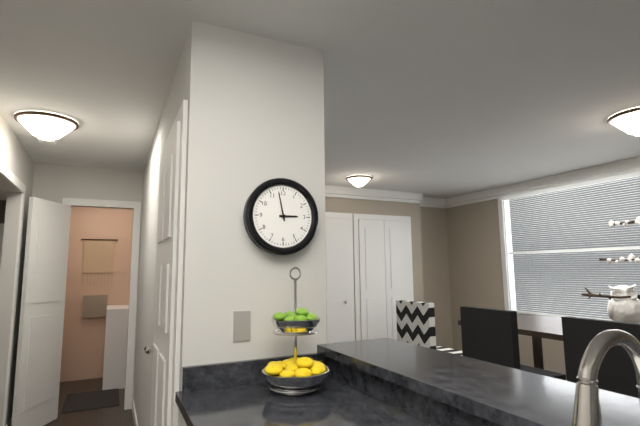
h=2 m=58
